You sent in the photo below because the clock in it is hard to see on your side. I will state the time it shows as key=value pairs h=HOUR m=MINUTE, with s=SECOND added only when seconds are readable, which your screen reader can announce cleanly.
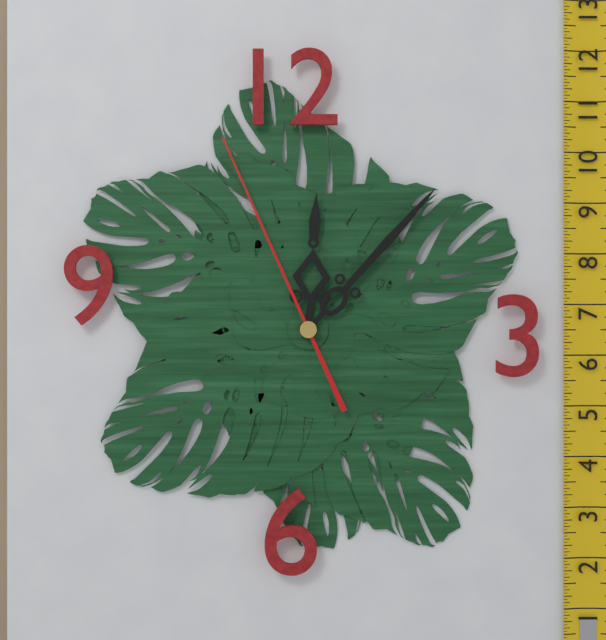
h=12 m=7 s=56
